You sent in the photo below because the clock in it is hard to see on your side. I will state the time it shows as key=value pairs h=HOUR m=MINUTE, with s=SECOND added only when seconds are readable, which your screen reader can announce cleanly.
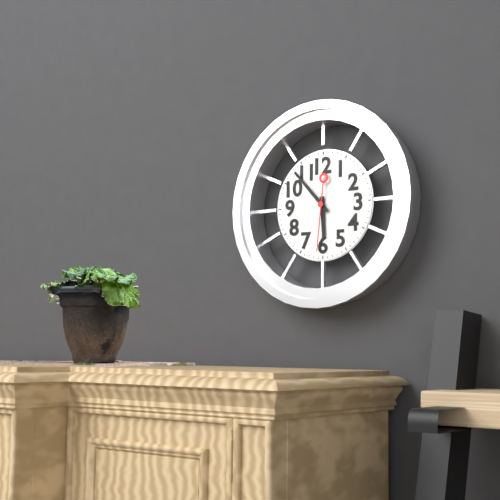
h=5 m=53 s=31
